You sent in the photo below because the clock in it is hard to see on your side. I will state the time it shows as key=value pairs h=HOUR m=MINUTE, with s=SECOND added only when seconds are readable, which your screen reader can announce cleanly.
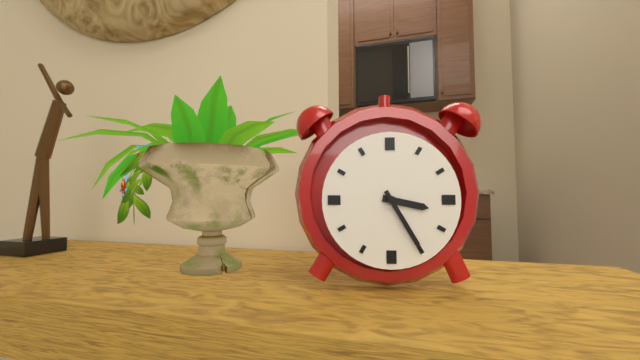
h=3 m=25
